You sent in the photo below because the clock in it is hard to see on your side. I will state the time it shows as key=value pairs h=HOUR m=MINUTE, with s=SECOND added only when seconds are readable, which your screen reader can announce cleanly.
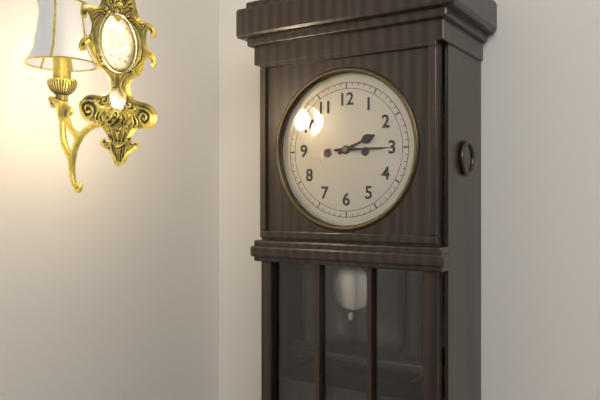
h=2 m=15
